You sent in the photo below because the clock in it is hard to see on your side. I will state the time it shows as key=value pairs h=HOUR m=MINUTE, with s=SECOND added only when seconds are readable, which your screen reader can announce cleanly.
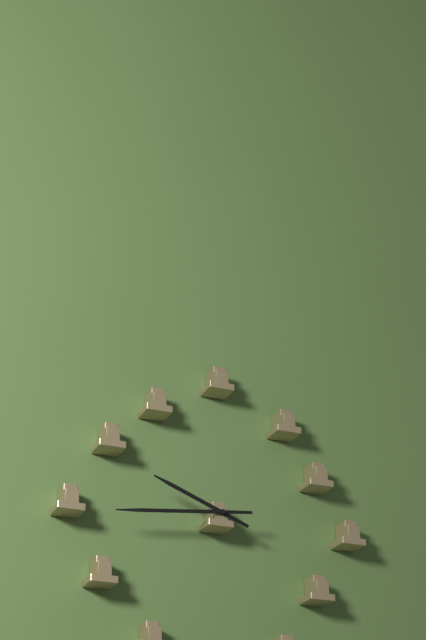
h=9 m=44
